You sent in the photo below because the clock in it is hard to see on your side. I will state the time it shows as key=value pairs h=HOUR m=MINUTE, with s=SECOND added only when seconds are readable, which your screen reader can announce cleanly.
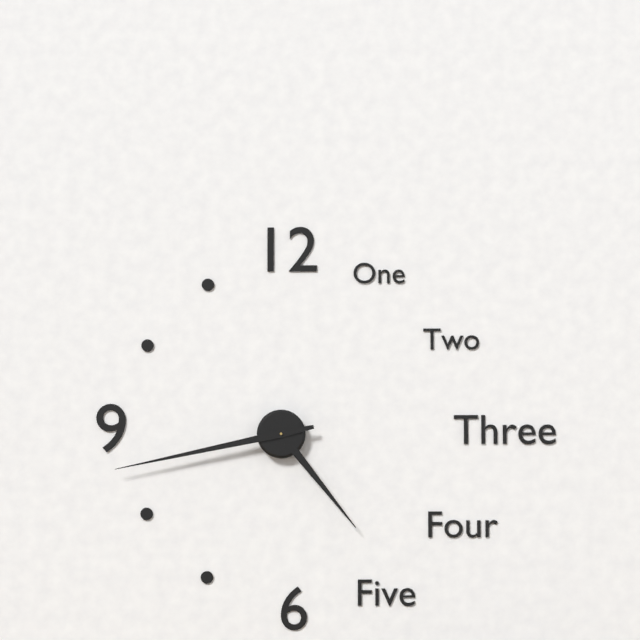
h=4 m=43
